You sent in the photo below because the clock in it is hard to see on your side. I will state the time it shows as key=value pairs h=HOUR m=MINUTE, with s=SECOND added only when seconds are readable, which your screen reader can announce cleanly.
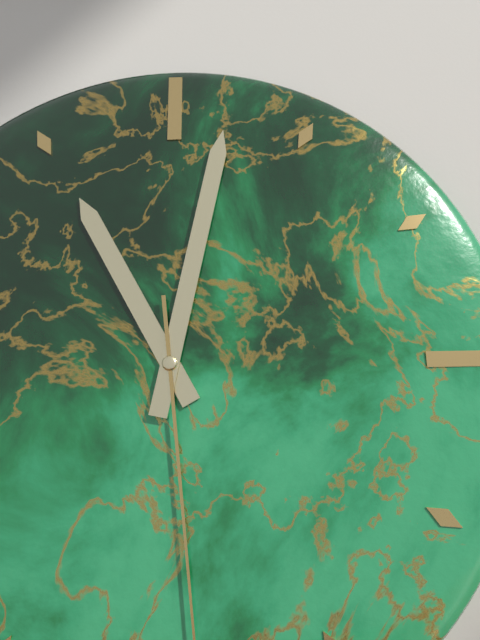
h=11 m=2
